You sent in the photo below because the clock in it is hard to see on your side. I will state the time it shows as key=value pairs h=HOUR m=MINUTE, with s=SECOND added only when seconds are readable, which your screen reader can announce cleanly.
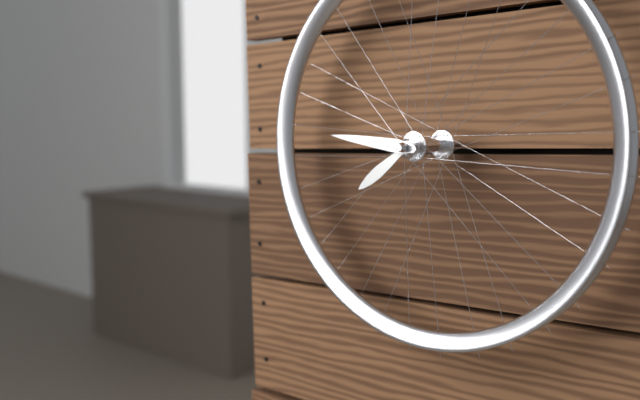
h=7 m=46
